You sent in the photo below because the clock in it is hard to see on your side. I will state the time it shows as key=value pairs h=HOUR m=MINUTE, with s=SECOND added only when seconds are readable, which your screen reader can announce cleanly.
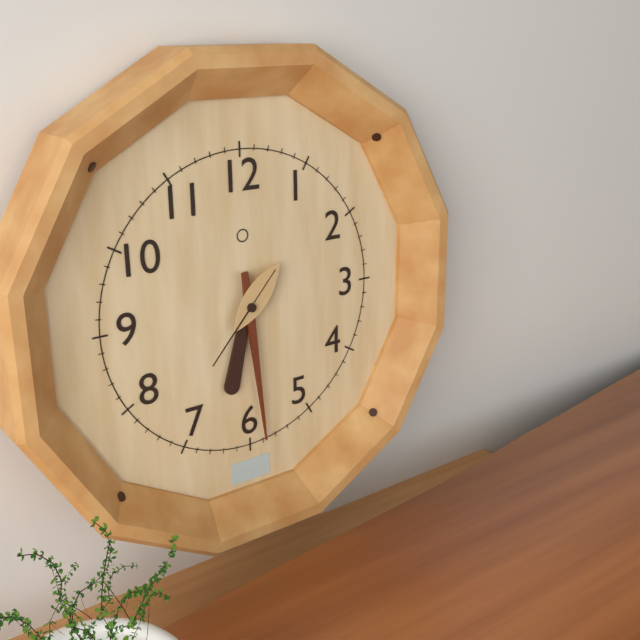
h=6 m=29 s=37
